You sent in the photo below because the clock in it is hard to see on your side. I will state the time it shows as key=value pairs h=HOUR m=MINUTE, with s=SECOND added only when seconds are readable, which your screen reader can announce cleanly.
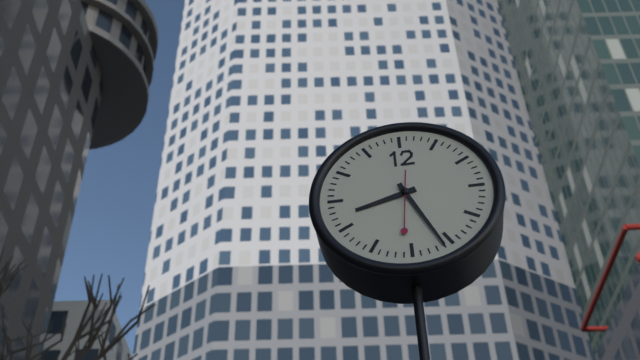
h=8 m=26
